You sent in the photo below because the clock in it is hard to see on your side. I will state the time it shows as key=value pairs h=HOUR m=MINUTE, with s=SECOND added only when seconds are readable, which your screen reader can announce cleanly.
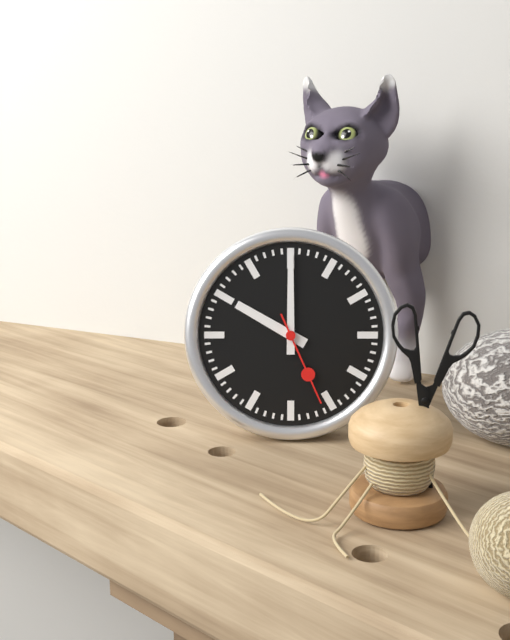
h=10 m=0 s=26
